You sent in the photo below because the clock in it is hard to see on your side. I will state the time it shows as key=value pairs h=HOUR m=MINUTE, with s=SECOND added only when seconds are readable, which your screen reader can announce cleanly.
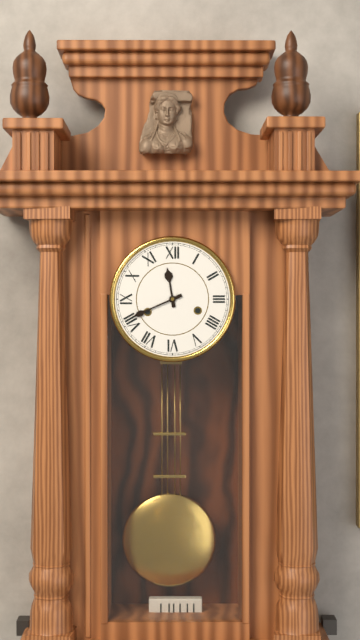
h=11 m=41
